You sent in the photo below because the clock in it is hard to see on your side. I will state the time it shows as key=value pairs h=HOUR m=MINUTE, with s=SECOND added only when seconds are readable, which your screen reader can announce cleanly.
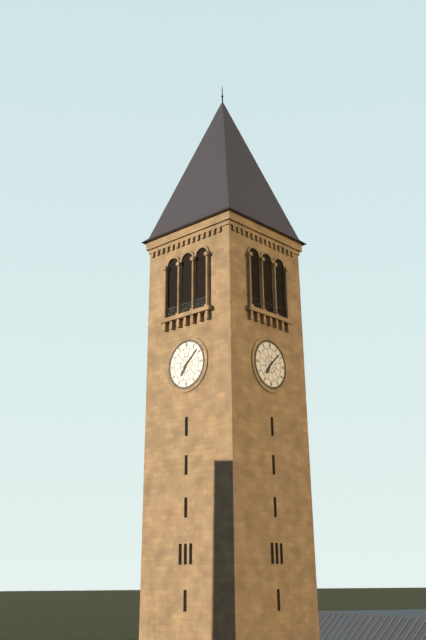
h=7 m=8
